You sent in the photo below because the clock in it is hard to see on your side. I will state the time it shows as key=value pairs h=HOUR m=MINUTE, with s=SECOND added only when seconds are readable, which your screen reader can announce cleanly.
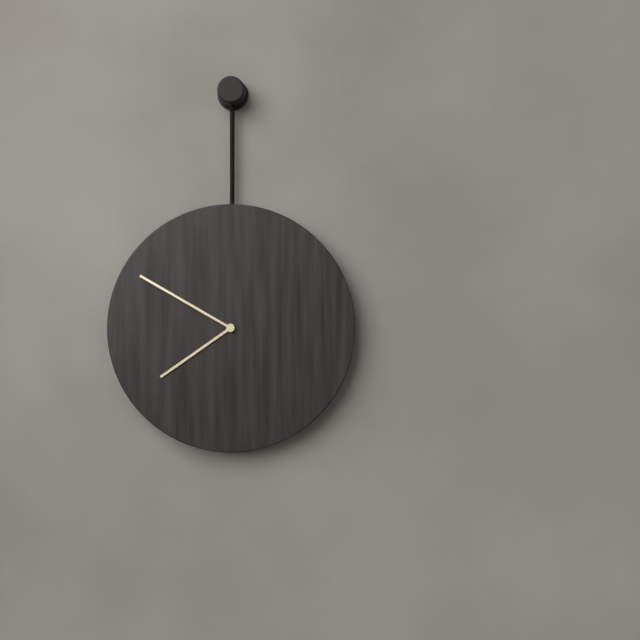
h=7 m=50
